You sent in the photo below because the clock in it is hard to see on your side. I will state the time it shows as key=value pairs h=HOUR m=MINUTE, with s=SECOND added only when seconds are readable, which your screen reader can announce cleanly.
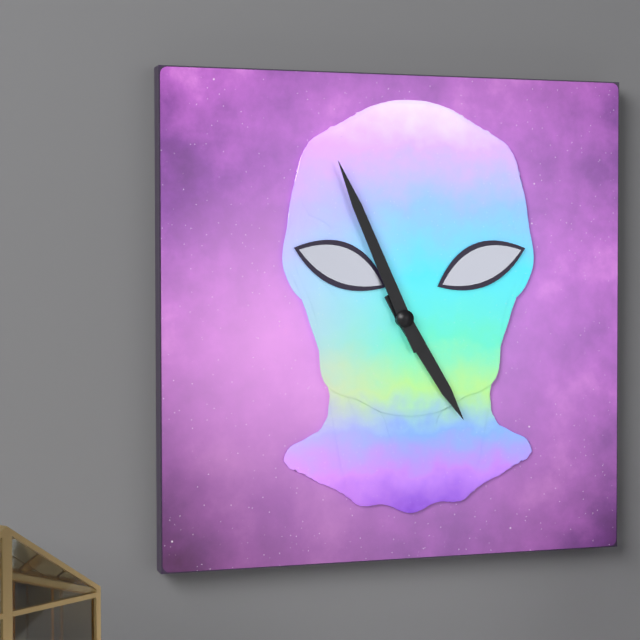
h=4 m=56
